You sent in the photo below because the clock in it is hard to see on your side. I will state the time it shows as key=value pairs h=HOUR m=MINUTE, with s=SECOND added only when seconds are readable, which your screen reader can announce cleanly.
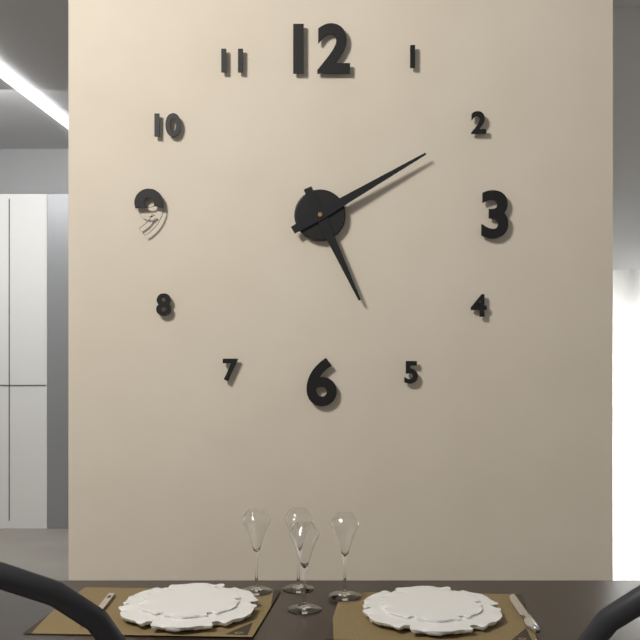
h=5 m=10
